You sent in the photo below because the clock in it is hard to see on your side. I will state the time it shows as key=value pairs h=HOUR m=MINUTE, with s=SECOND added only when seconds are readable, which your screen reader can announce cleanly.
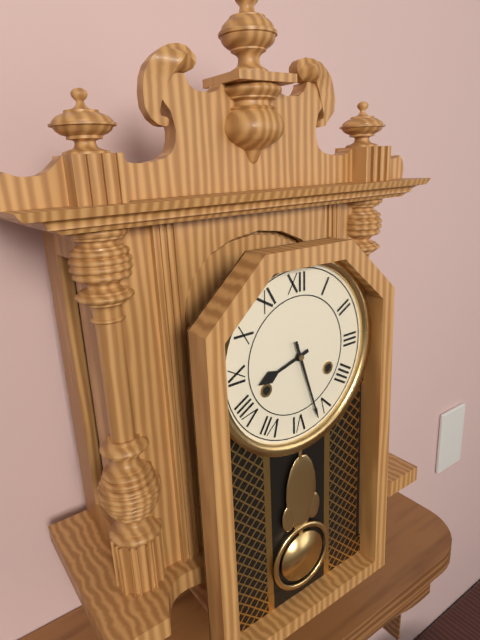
h=8 m=27
